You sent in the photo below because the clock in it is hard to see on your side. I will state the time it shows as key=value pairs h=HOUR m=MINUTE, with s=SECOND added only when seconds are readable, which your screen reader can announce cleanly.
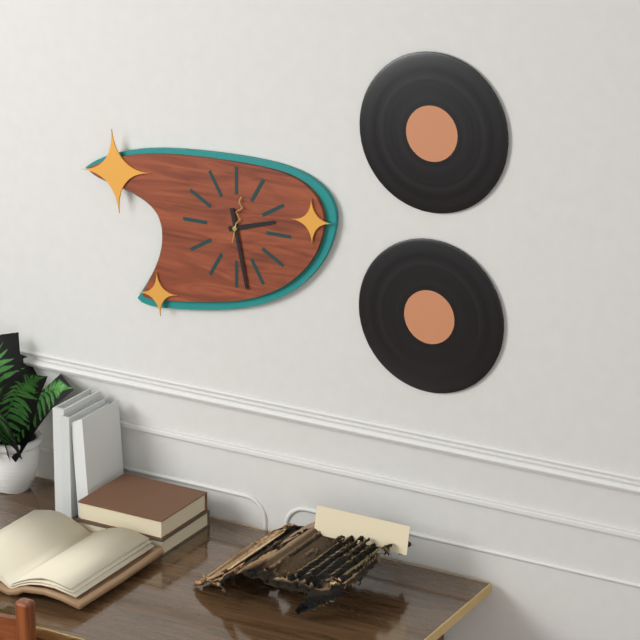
h=2 m=28
